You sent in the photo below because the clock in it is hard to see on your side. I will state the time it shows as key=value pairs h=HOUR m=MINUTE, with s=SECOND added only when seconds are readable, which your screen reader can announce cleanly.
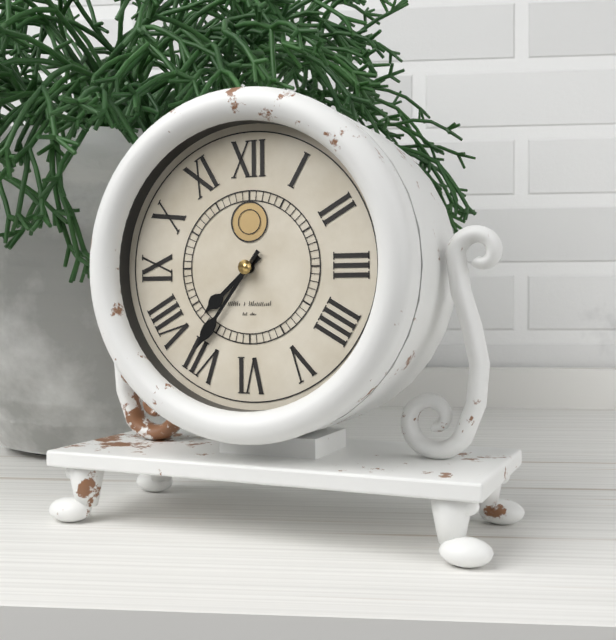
h=7 m=36
